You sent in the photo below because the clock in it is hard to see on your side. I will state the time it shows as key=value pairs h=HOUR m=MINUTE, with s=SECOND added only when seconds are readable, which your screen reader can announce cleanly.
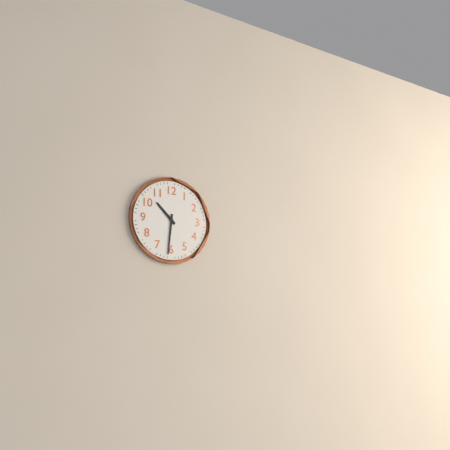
h=10 m=31
